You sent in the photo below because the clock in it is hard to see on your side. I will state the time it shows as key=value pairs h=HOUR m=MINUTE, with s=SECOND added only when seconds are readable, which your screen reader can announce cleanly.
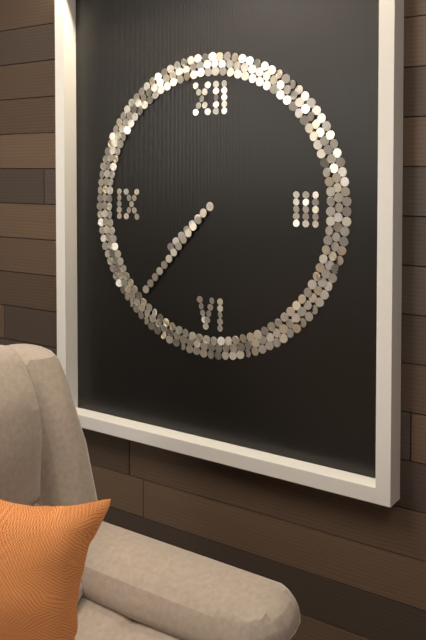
h=7 m=37
